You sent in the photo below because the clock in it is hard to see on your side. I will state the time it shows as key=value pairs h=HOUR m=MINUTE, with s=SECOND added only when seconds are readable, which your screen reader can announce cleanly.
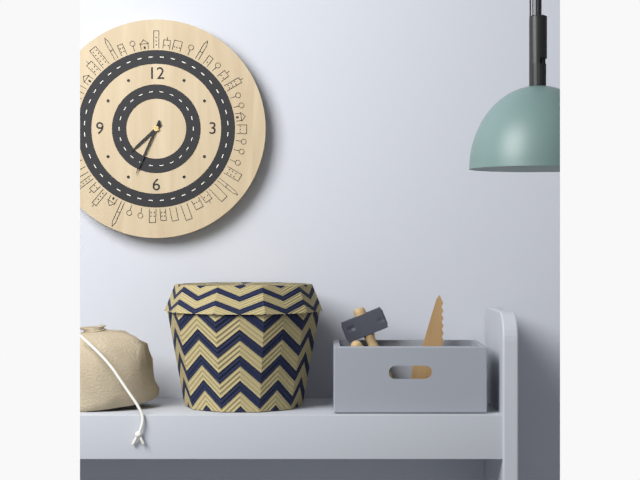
h=7 m=34
